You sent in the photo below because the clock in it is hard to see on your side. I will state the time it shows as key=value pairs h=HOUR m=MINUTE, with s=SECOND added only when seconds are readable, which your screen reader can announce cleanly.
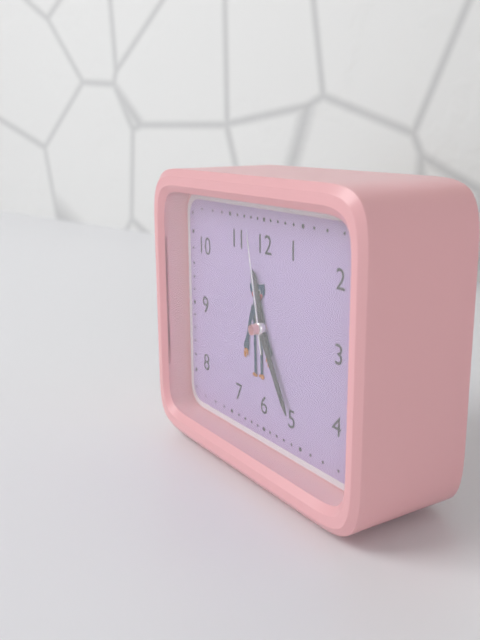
h=11 m=25 s=58
